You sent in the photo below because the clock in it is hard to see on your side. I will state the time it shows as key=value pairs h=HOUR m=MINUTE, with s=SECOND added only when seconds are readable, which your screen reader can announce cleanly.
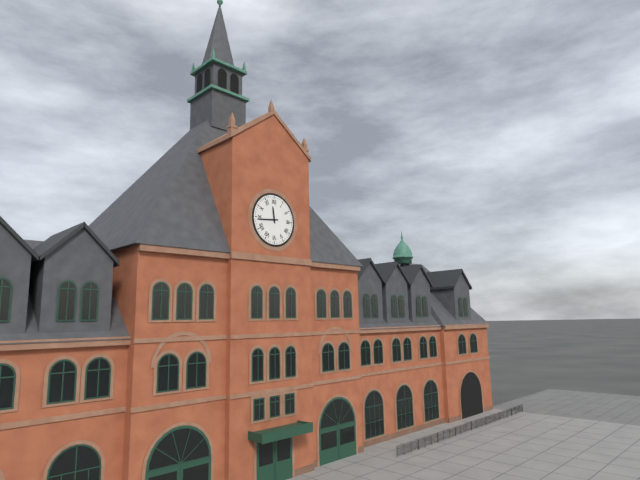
h=11 m=44
